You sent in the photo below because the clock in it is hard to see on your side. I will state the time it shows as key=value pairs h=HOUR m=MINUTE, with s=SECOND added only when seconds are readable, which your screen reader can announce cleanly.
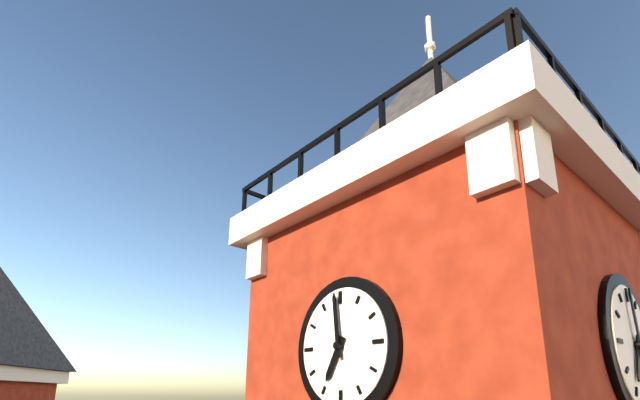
h=6 m=59
